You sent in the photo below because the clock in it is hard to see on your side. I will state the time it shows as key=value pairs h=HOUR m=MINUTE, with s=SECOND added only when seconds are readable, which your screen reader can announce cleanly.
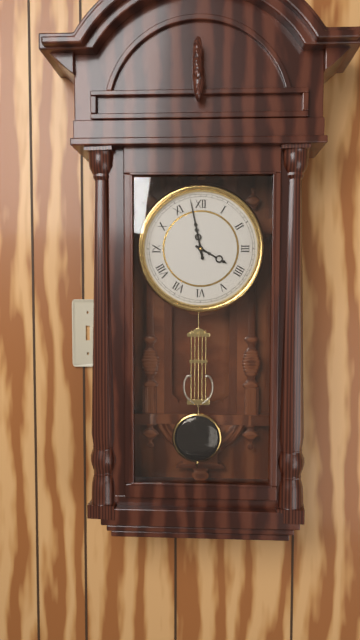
h=3 m=58
